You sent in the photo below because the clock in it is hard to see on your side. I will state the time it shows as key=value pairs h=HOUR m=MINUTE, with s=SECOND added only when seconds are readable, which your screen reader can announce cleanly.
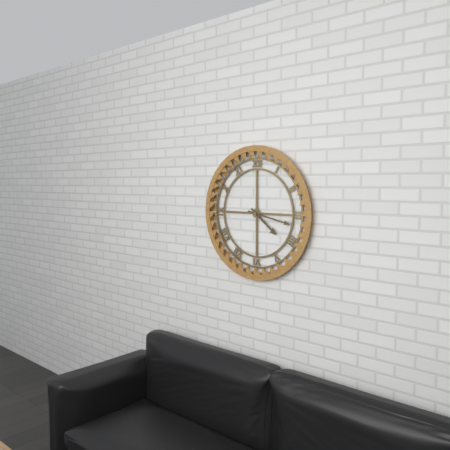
h=4 m=17
